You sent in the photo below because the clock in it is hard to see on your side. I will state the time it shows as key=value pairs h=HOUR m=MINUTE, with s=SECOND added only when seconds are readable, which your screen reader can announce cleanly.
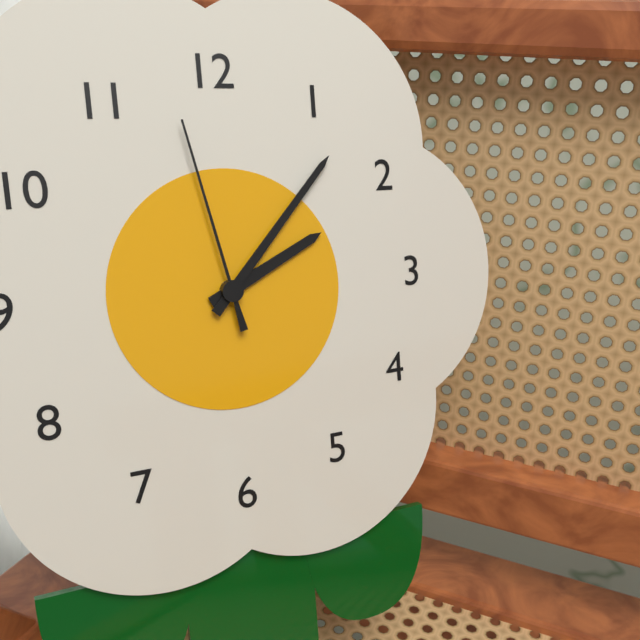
h=2 m=7 s=58
